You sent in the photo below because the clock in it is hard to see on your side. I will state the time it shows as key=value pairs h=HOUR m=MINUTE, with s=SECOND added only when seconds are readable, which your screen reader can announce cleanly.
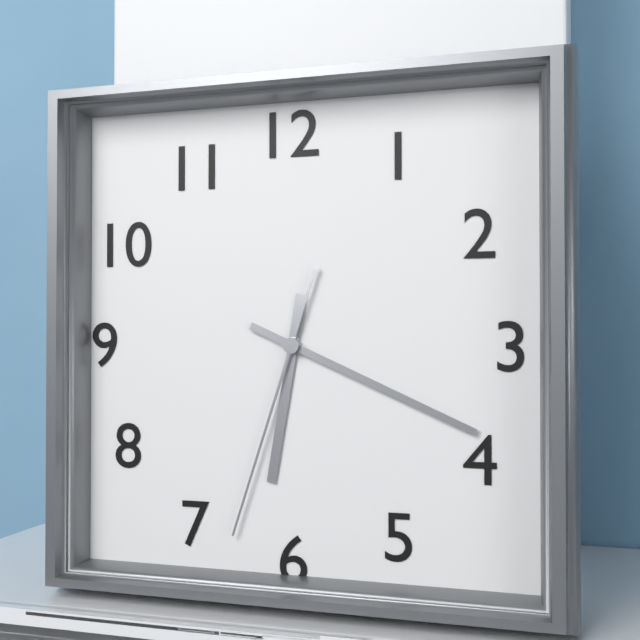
h=6 m=19 s=33
